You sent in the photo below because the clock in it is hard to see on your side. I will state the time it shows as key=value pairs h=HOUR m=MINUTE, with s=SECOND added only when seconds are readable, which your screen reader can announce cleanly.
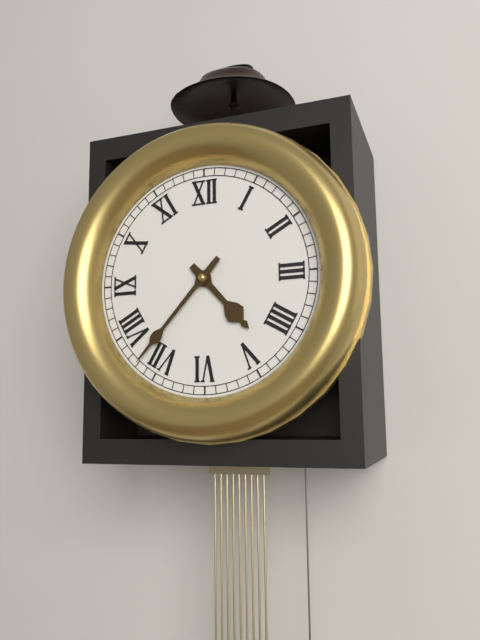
h=4 m=37
